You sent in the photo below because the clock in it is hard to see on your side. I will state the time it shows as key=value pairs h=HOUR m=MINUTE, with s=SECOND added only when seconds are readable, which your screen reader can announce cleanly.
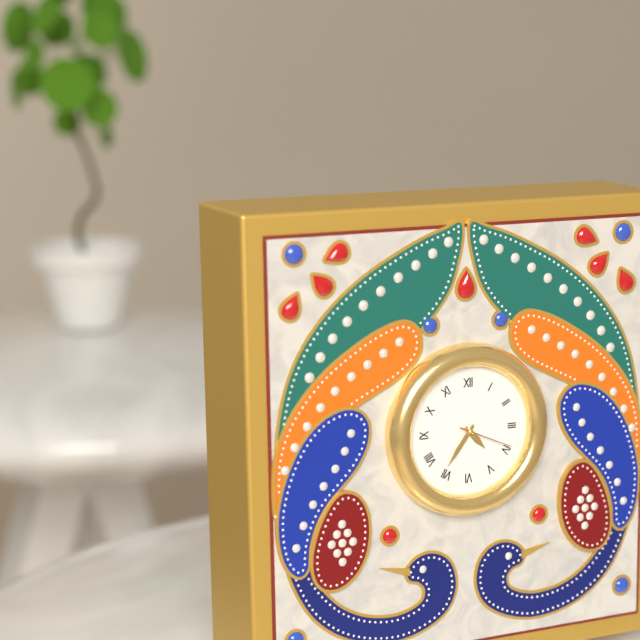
h=4 m=36 s=19
